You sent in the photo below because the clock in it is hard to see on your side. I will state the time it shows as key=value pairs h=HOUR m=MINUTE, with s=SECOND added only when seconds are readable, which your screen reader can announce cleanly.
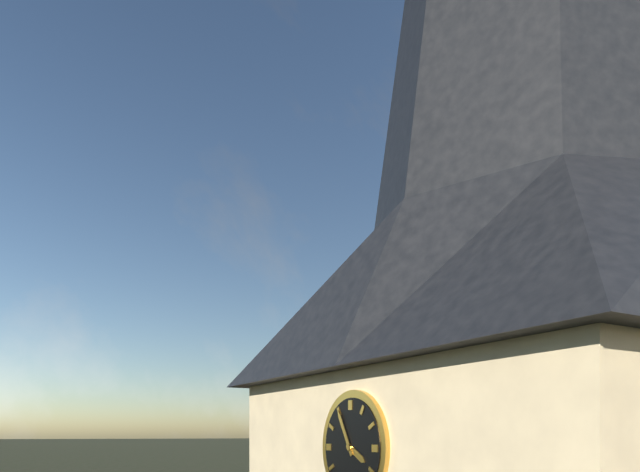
h=3 m=55
